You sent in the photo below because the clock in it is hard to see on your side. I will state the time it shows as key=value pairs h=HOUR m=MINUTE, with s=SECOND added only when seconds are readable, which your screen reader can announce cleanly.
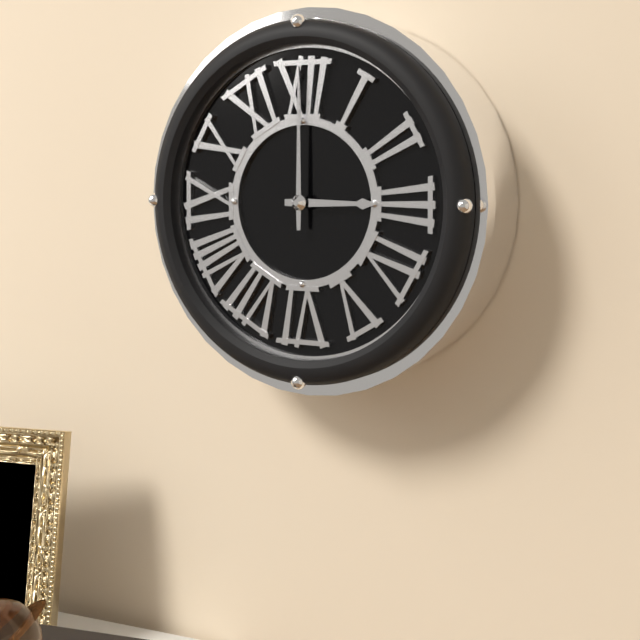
h=3 m=0
